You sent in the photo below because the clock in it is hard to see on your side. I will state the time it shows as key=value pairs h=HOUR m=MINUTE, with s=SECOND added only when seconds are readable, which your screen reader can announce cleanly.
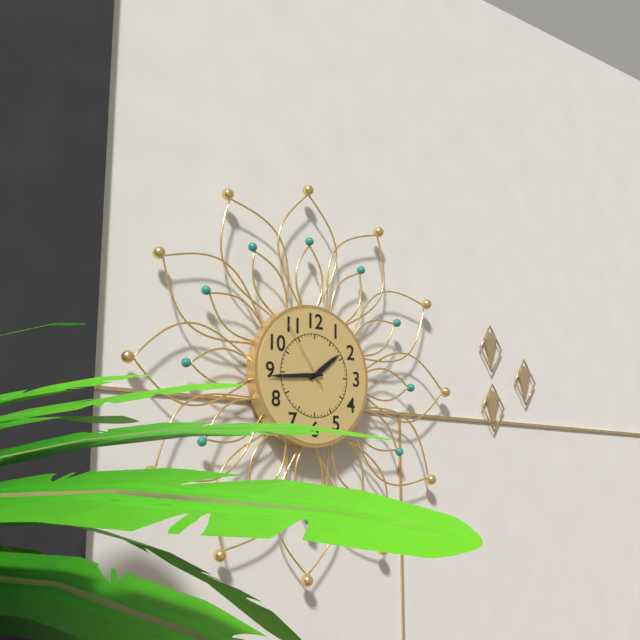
h=1 m=44 s=54
